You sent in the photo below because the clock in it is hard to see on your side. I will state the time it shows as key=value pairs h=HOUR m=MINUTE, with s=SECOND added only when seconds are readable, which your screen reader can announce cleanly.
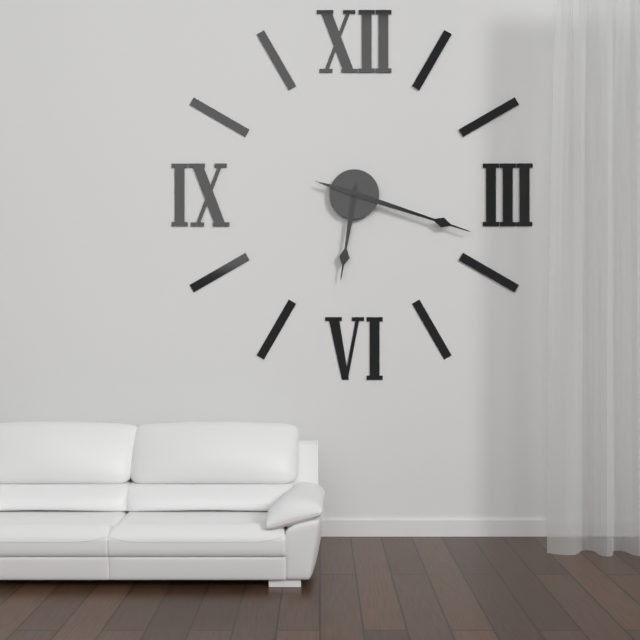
h=6 m=18
